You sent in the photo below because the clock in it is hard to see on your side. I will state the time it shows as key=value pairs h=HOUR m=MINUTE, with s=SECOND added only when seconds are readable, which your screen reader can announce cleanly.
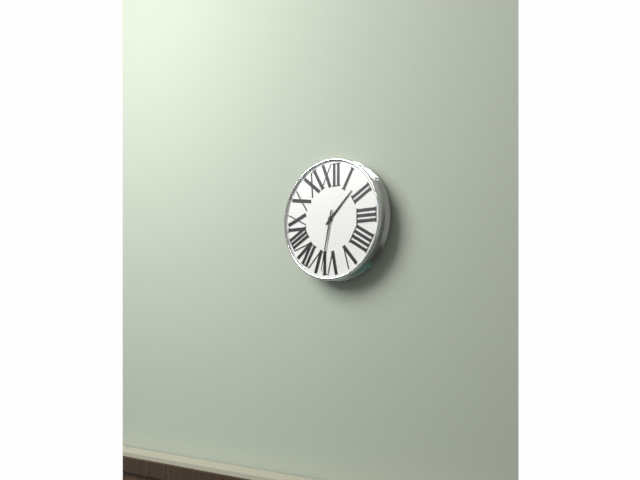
h=1 m=32
